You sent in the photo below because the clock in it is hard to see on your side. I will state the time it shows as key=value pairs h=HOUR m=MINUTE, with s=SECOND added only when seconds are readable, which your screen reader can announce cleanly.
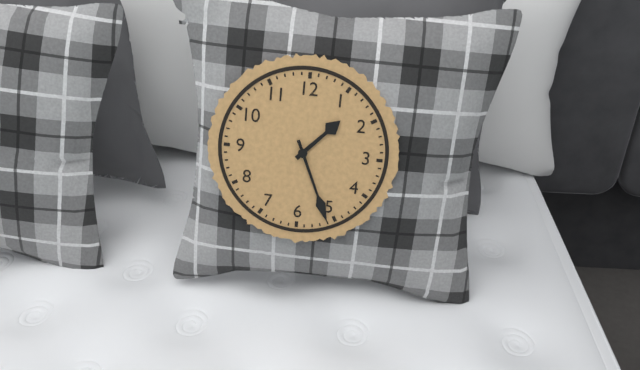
h=1 m=26
